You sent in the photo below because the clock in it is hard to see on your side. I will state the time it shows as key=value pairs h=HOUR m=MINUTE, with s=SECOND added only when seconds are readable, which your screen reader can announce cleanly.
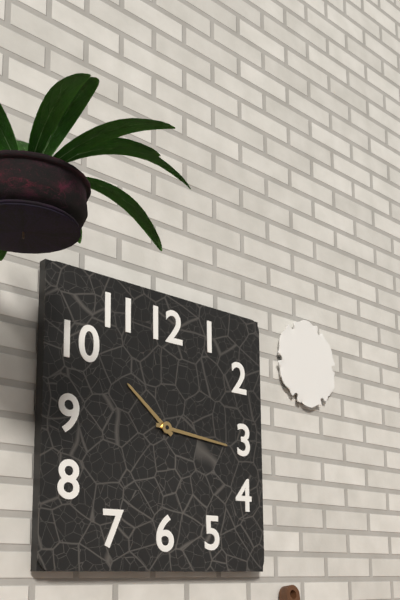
h=10 m=16
